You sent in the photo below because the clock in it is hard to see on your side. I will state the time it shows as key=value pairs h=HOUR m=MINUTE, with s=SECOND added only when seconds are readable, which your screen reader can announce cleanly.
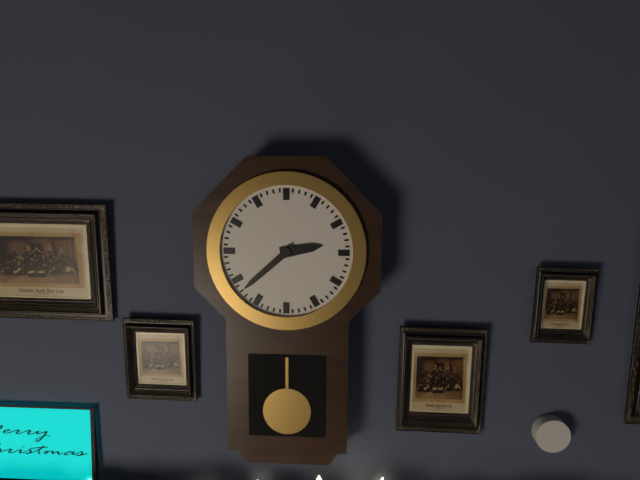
h=2 m=38
